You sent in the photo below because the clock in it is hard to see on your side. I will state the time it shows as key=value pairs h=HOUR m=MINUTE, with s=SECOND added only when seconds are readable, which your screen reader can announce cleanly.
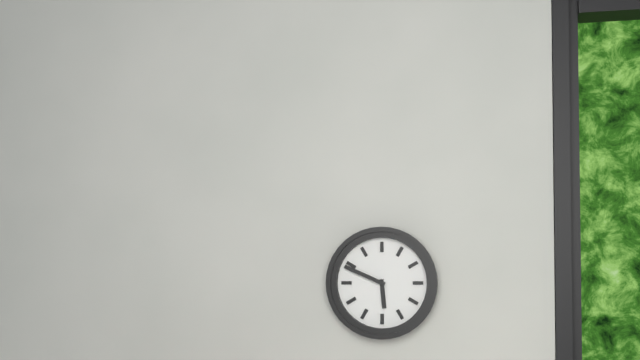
h=5 m=49
